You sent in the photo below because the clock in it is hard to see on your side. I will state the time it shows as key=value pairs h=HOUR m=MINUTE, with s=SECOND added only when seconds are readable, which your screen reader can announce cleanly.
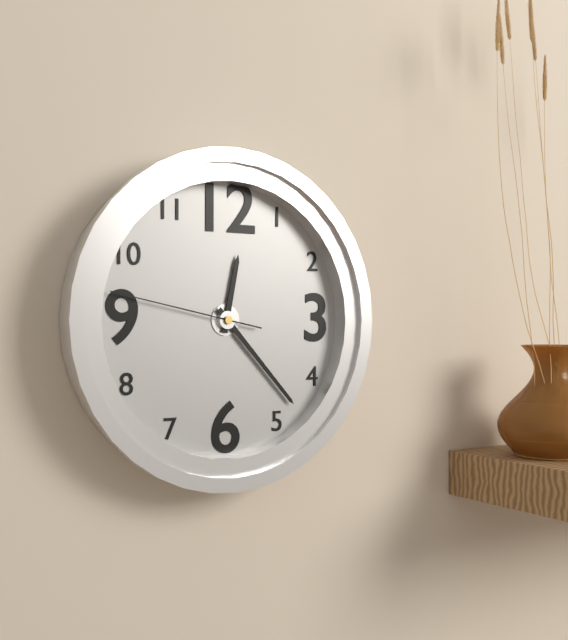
h=12 m=23 s=47
